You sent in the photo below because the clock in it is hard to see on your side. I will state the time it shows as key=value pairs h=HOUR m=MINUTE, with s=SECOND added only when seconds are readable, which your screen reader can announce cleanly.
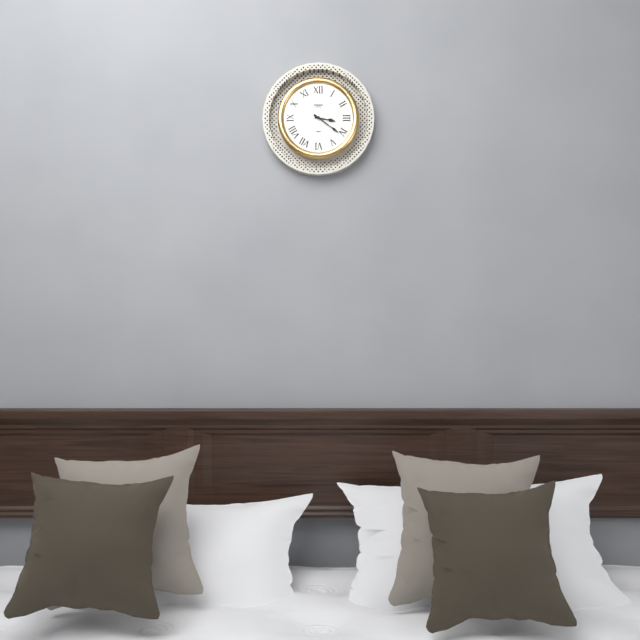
h=3 m=21
